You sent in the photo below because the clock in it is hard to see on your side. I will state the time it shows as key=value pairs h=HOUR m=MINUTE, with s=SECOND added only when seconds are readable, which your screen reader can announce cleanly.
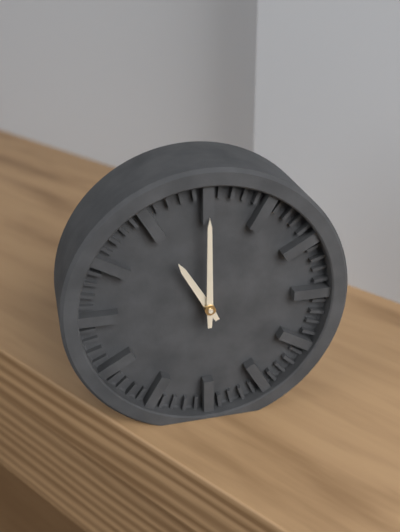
h=11 m=0
